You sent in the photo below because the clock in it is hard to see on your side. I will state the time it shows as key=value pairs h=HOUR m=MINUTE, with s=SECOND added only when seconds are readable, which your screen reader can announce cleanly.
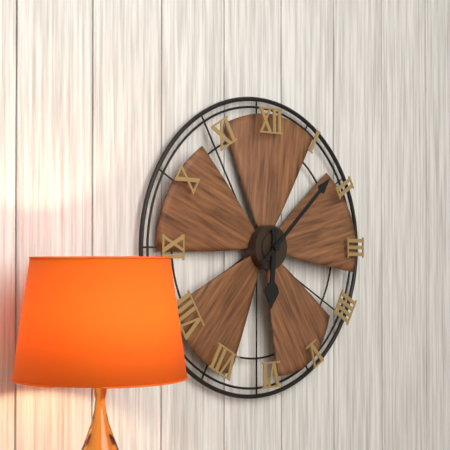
h=6 m=8
